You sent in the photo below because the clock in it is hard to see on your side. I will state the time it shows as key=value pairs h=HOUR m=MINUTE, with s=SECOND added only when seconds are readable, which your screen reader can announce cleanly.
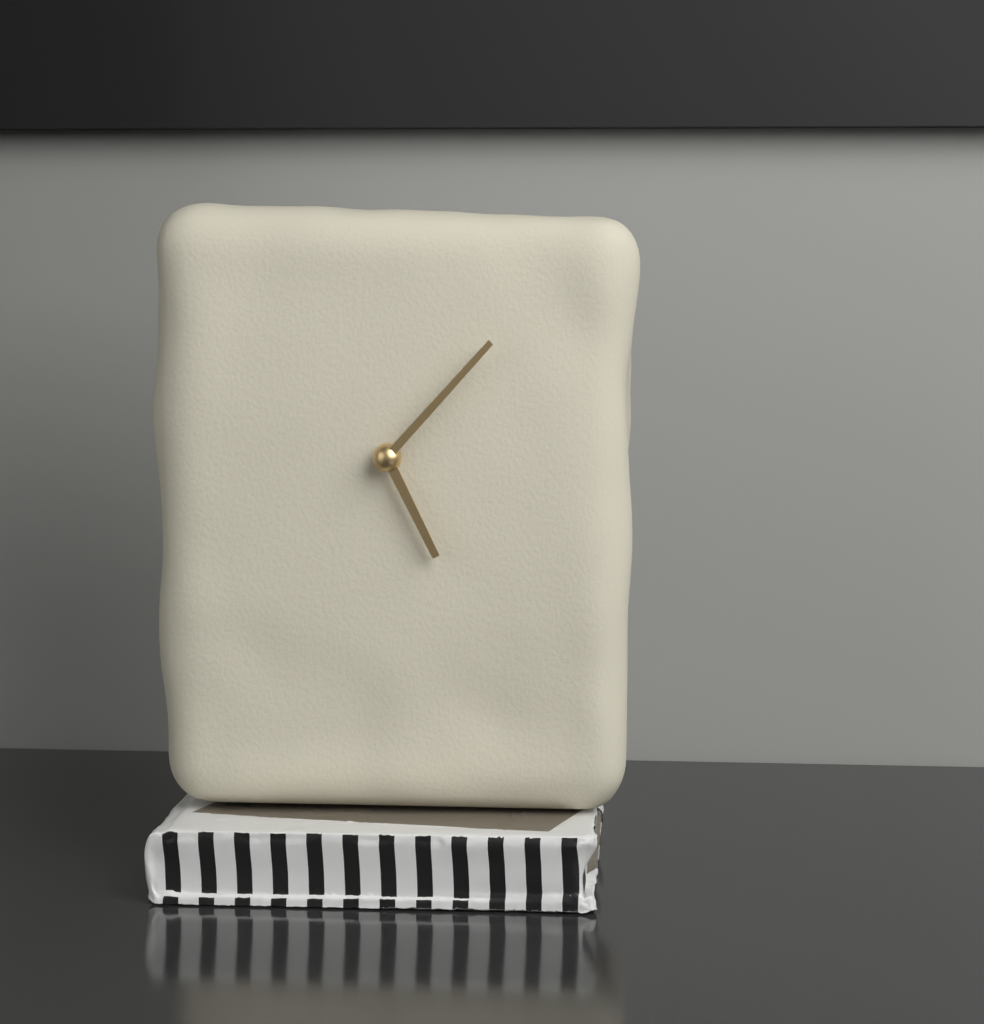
h=5 m=7
